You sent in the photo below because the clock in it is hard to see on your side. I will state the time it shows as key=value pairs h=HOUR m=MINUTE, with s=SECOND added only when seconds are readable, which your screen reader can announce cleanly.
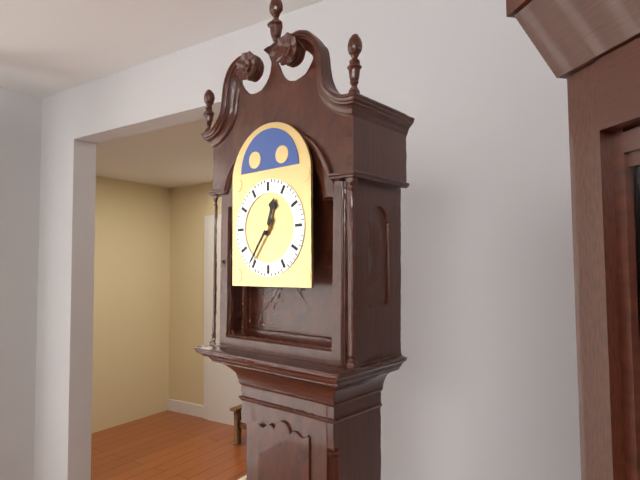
h=12 m=36
